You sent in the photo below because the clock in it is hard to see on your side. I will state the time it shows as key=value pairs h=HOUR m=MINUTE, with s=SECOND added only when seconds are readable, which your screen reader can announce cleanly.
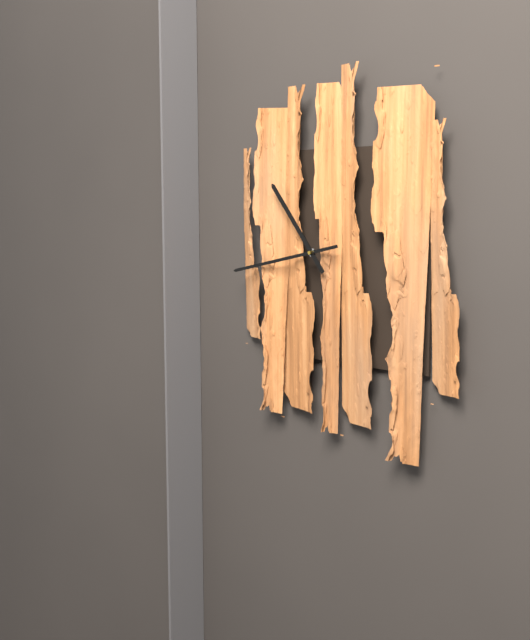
h=10 m=43
